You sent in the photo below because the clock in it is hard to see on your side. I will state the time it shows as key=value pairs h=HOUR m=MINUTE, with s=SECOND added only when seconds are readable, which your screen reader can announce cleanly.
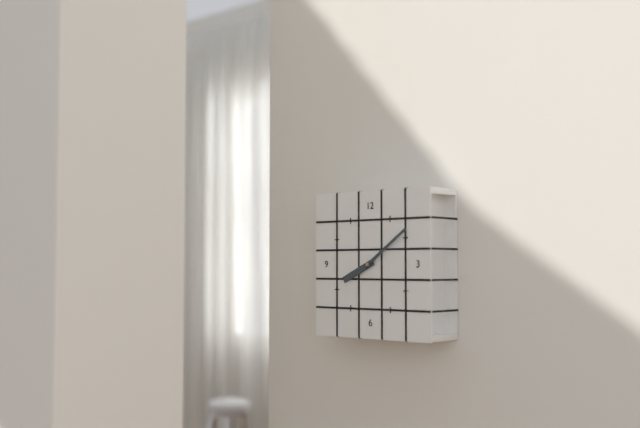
h=8 m=9
